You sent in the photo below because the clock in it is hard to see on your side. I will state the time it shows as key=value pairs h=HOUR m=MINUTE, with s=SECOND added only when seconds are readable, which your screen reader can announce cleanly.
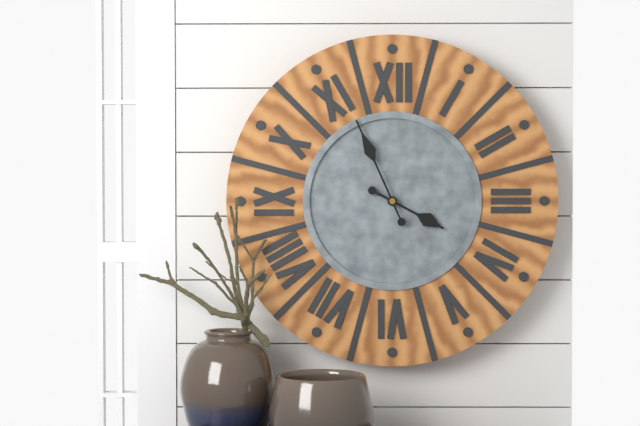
h=3 m=56
